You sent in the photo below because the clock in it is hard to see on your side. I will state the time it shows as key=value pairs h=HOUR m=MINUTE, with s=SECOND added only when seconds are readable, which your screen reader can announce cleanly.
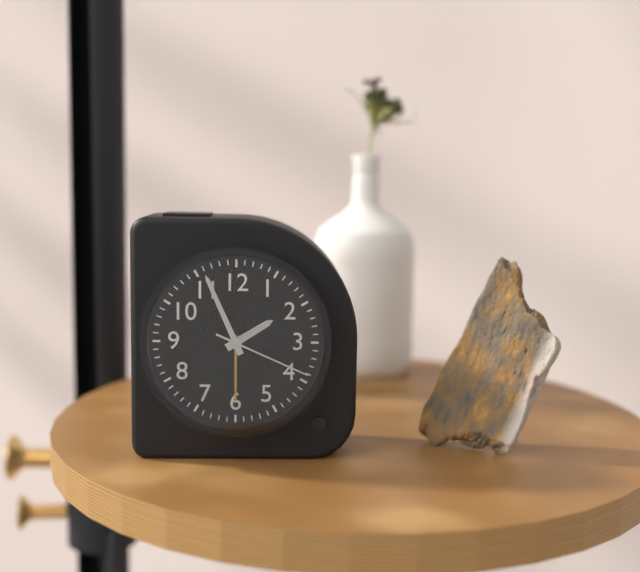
h=1 m=56 s=19
